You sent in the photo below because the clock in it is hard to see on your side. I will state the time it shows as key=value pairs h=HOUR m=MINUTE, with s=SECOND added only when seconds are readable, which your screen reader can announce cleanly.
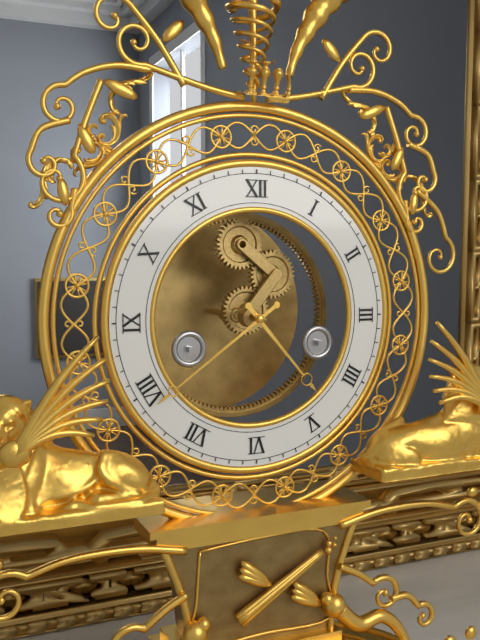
h=4 m=39
